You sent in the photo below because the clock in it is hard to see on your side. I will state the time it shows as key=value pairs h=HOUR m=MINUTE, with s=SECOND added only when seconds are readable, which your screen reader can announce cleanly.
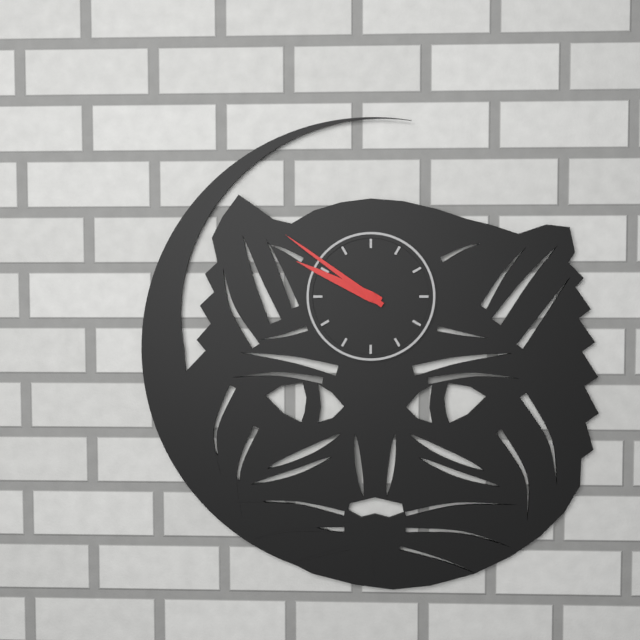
h=9 m=51
